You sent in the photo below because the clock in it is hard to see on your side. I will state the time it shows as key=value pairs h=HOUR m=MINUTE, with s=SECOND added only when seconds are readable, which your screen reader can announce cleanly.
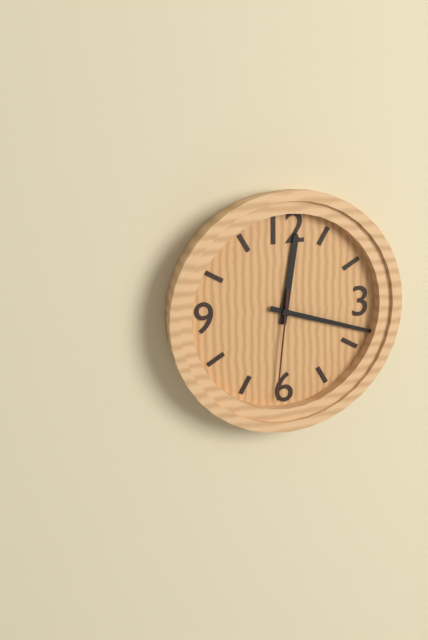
h=12 m=18 s=31
